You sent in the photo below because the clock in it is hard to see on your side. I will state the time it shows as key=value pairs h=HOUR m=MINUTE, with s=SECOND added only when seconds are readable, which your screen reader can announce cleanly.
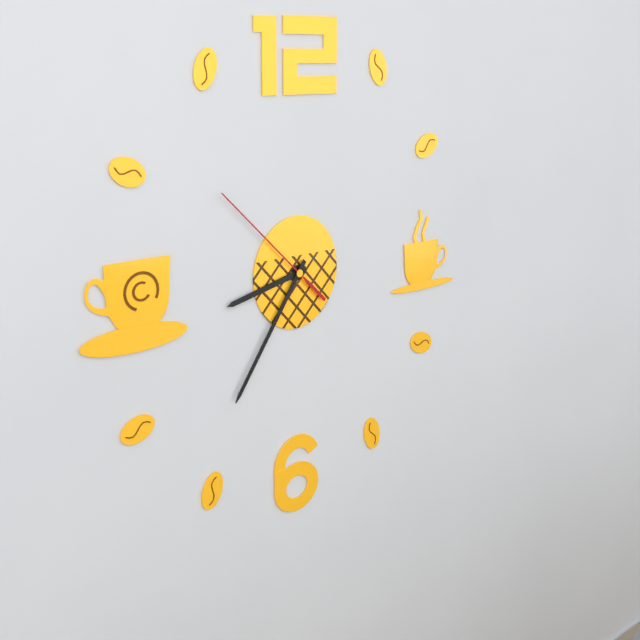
h=8 m=36 s=52
